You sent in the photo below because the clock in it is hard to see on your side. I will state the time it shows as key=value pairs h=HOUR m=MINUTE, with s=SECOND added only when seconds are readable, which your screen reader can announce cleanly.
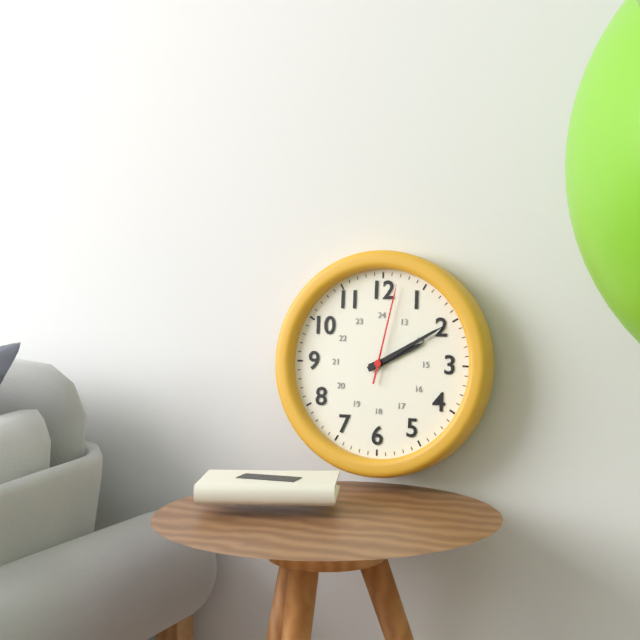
h=2 m=10 s=2
